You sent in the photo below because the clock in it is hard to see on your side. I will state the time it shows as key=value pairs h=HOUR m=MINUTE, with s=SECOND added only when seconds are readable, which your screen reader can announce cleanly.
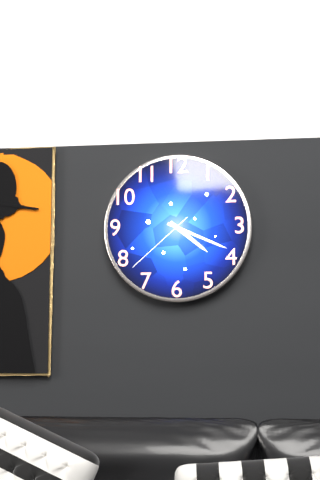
h=4 m=19 s=38
